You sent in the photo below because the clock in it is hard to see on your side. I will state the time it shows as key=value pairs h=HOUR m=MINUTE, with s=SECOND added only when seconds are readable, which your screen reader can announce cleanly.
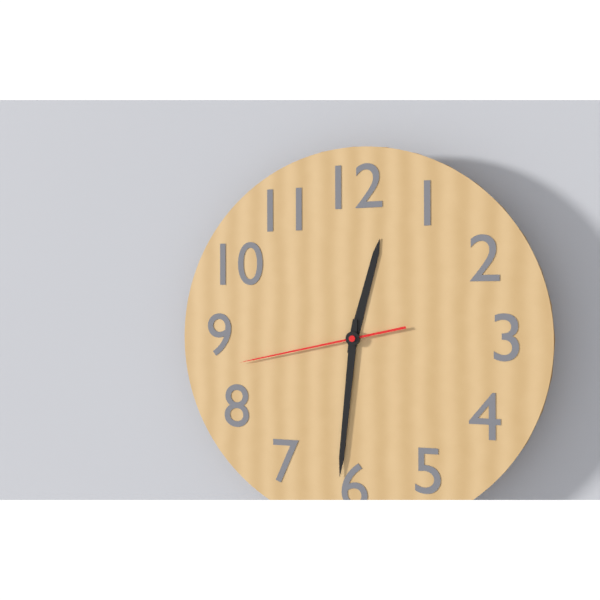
h=12 m=31 s=43
